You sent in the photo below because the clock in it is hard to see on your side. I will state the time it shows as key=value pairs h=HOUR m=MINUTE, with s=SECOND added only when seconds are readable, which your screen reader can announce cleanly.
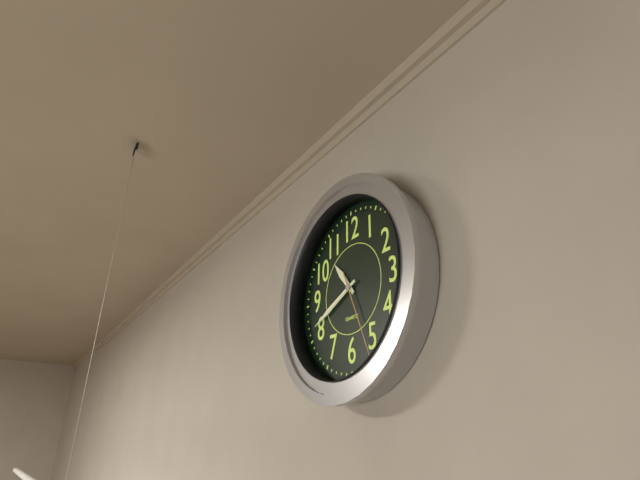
h=10 m=41 s=26
